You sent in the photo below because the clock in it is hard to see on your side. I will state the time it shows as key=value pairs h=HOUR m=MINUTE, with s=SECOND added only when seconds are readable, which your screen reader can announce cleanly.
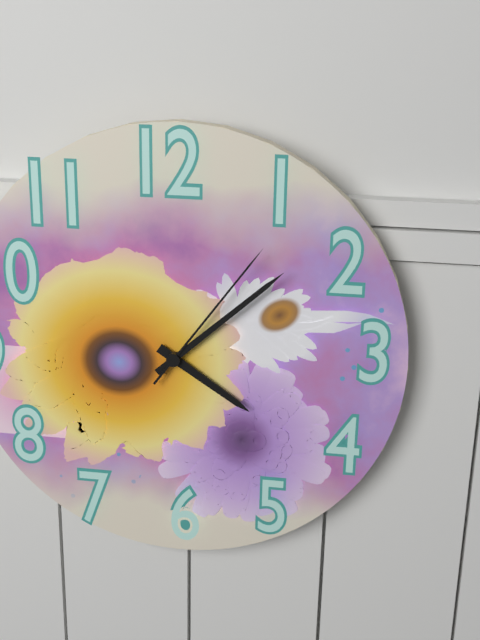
h=4 m=8 s=6
